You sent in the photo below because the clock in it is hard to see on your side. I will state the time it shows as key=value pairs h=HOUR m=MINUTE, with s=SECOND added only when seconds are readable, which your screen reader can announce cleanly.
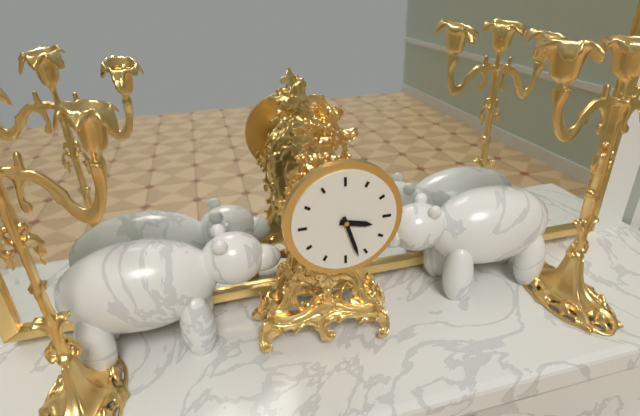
h=3 m=27
